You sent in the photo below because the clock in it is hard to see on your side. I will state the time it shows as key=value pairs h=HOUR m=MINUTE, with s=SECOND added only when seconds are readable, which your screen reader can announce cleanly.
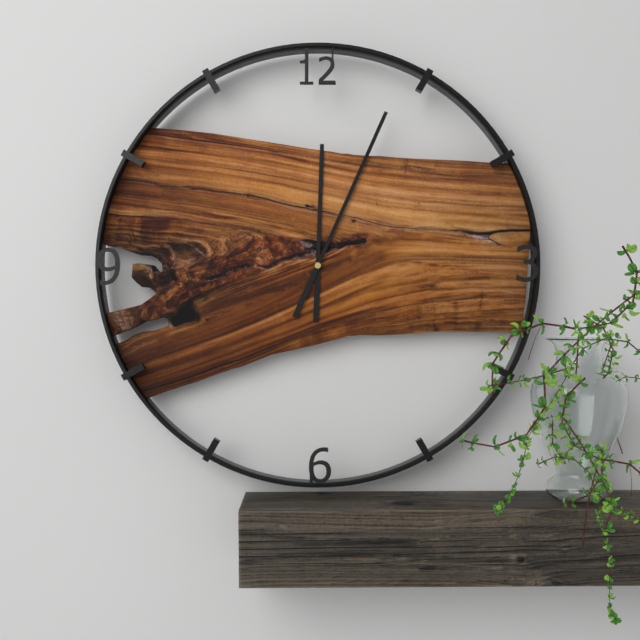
h=12 m=4
